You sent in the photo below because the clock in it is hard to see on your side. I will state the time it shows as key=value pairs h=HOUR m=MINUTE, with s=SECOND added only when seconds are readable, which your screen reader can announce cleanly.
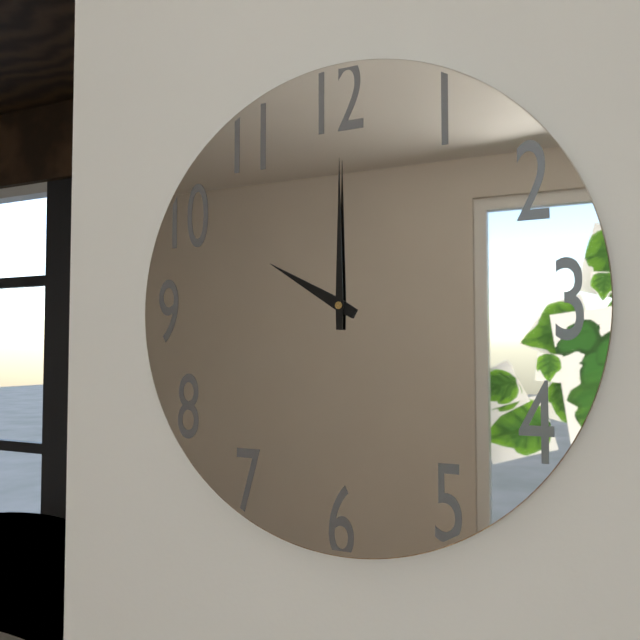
h=10 m=0
